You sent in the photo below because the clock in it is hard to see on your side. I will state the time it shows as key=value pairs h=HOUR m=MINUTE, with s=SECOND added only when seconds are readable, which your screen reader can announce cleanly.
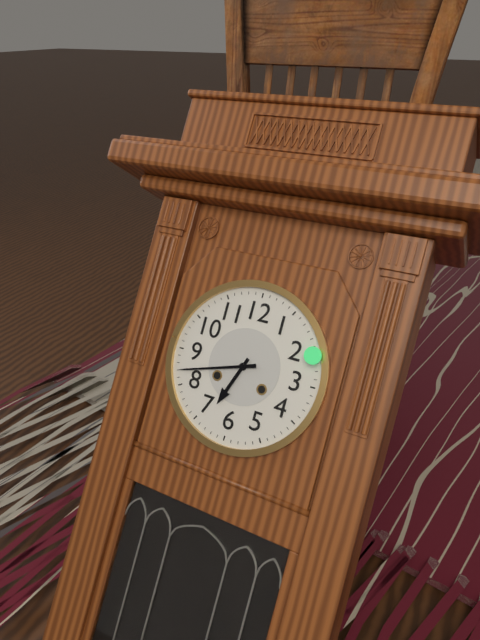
h=6 m=42
